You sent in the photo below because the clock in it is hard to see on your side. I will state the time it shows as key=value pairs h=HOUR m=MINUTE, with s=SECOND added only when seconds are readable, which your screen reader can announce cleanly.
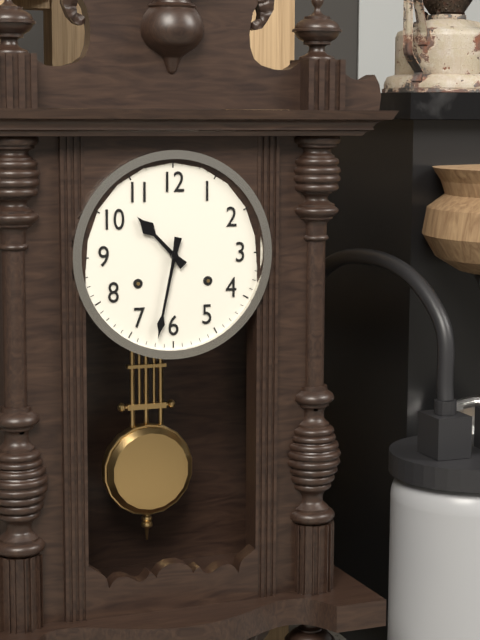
h=10 m=32
